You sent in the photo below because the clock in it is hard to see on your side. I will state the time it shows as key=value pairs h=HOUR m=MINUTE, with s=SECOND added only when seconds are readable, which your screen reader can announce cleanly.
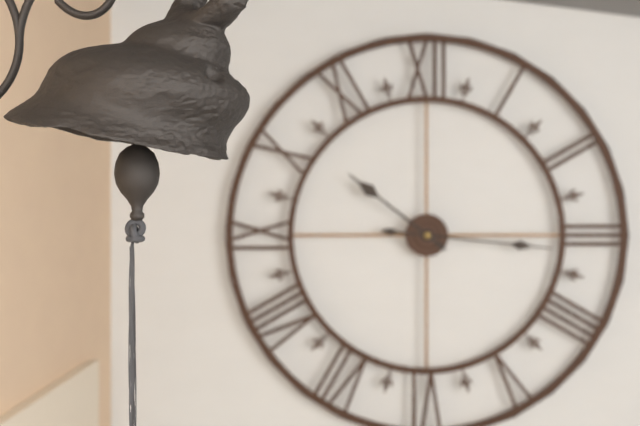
h=10 m=16
